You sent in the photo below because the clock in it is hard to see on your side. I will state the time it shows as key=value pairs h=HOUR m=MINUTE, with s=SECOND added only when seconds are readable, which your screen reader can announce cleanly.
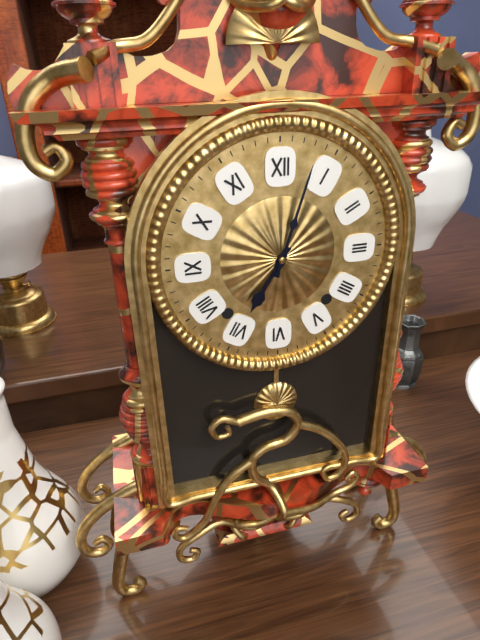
h=7 m=3
